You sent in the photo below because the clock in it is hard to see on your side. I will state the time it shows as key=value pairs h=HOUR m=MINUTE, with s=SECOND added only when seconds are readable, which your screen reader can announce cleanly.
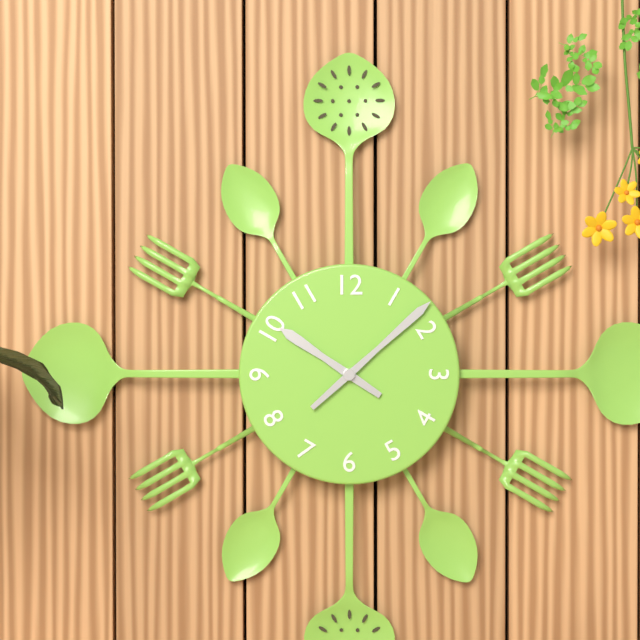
h=10 m=8
